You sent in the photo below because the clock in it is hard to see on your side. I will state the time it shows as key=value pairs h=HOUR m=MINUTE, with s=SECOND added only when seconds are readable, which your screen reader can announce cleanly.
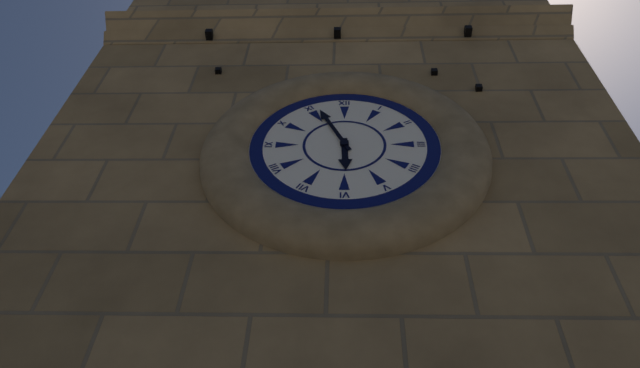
h=5 m=56
